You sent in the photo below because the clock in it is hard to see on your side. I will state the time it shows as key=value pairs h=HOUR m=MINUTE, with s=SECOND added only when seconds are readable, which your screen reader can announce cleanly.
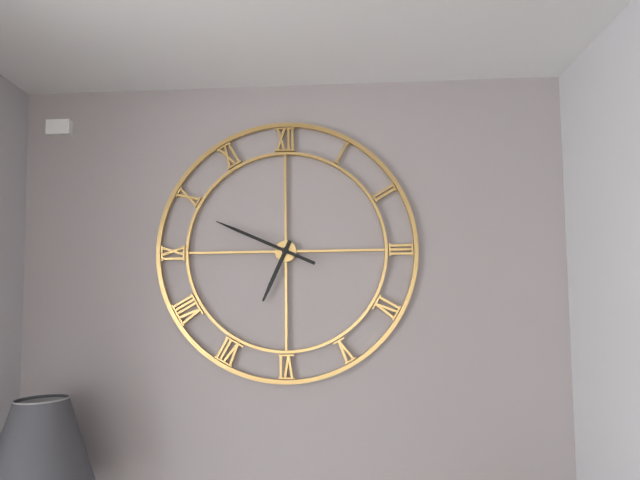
h=6 m=49
